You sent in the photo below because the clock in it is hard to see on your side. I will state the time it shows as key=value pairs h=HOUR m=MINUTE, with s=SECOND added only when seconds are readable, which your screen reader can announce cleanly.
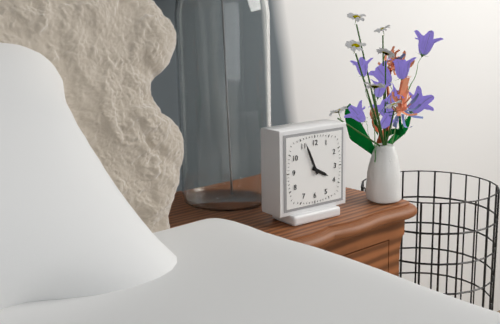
h=3 m=56
